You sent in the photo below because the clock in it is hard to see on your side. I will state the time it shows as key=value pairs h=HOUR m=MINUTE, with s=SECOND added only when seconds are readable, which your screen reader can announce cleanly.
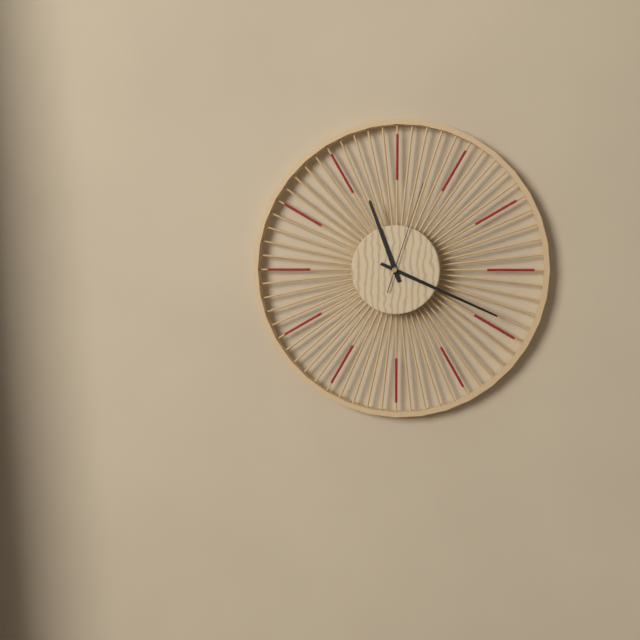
h=11 m=19 s=3
